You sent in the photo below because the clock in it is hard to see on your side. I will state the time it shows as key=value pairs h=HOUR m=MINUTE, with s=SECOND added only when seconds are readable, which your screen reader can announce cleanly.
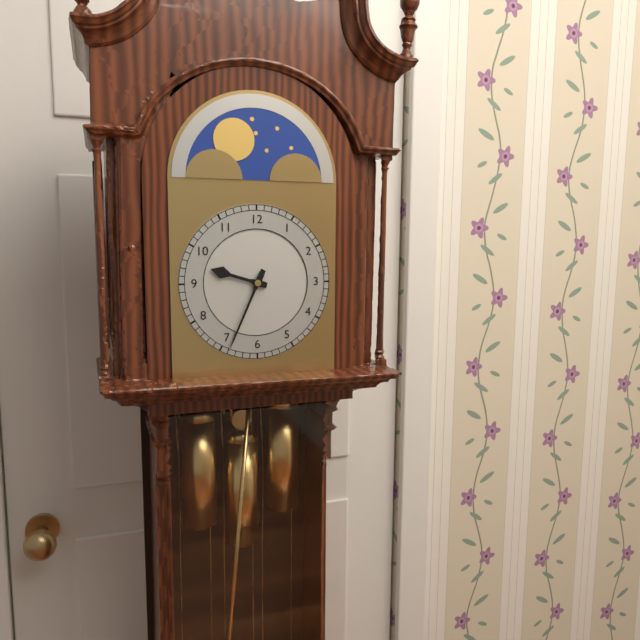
h=9 m=34
